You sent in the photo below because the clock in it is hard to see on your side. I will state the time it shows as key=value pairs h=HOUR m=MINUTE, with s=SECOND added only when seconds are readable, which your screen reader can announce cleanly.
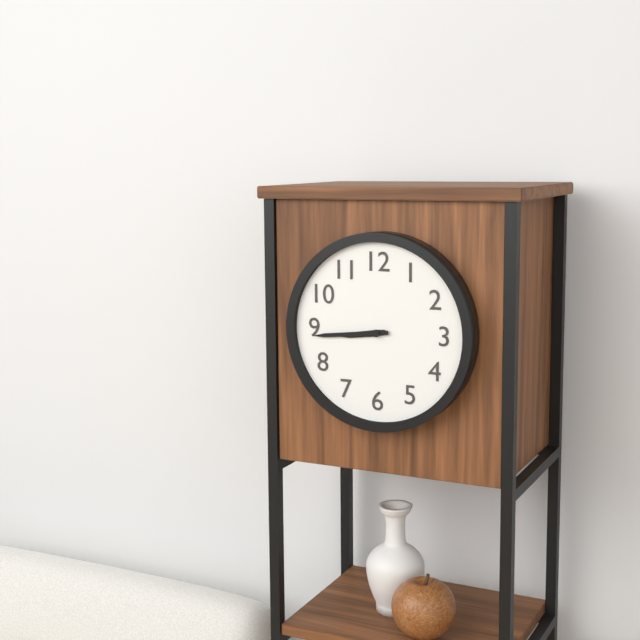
h=8 m=44
